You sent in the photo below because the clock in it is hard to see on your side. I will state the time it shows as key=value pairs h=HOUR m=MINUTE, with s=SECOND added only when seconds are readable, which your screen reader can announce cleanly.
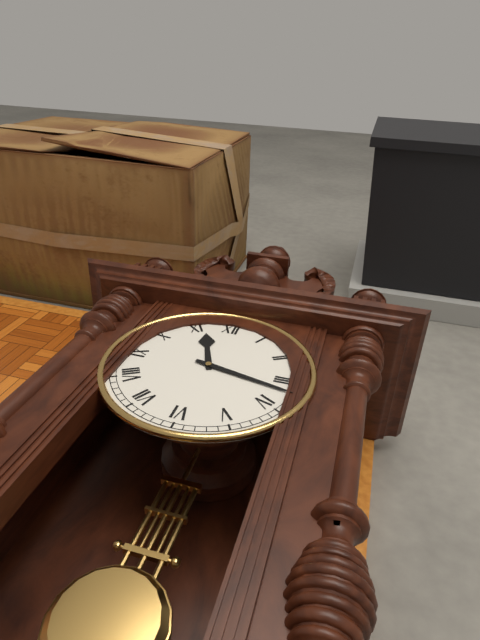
h=11 m=17
